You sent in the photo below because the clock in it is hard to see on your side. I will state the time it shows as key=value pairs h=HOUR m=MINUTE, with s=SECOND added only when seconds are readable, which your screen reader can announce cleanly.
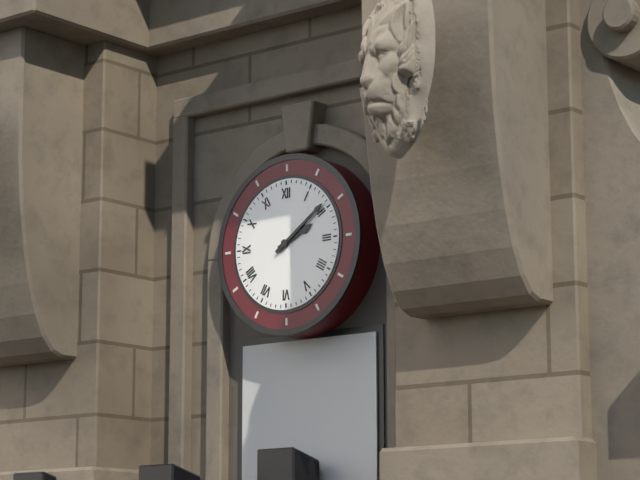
h=2 m=9
